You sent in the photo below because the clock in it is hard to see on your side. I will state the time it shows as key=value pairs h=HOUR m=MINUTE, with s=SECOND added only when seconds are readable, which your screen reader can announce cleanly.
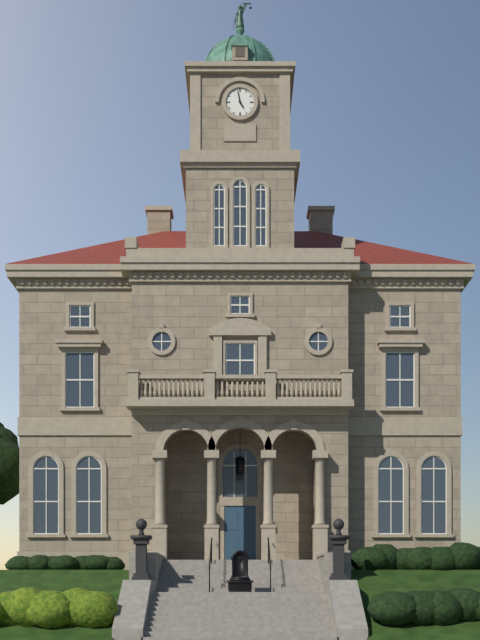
h=4 m=58
